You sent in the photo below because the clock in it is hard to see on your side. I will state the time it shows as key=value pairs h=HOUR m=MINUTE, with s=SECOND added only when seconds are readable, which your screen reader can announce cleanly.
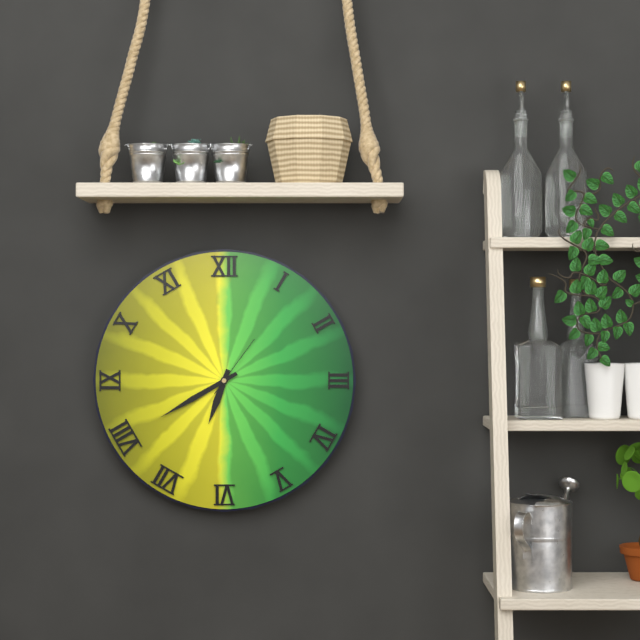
h=6 m=40 s=6
